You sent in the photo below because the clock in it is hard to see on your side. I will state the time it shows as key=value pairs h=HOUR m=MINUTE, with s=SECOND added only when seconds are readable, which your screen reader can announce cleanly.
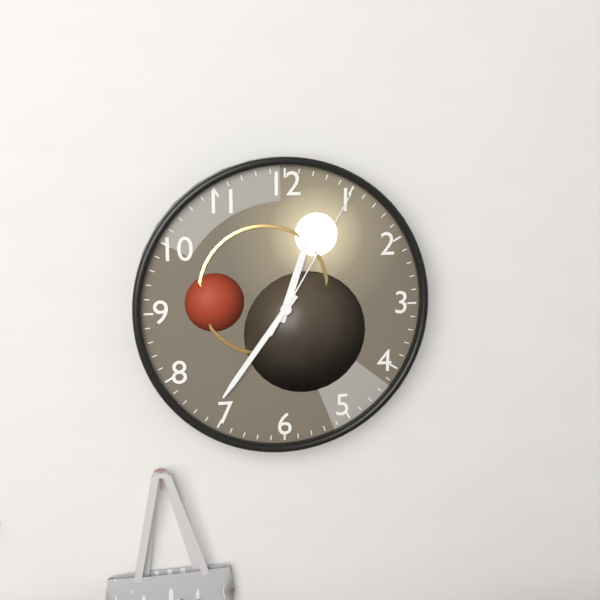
h=12 m=36 s=5
